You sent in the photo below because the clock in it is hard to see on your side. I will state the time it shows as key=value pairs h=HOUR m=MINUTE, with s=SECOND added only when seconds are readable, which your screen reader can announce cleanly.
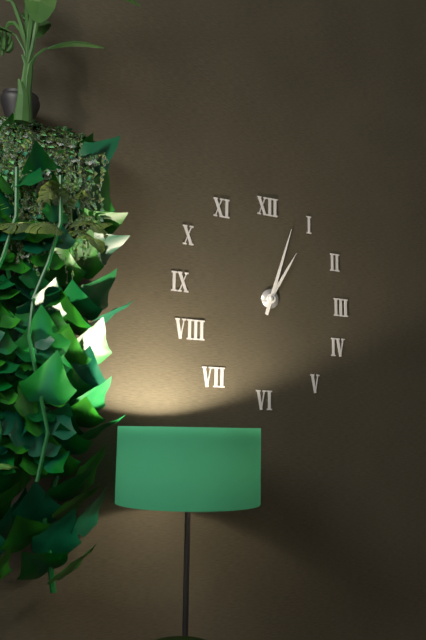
h=1 m=3
